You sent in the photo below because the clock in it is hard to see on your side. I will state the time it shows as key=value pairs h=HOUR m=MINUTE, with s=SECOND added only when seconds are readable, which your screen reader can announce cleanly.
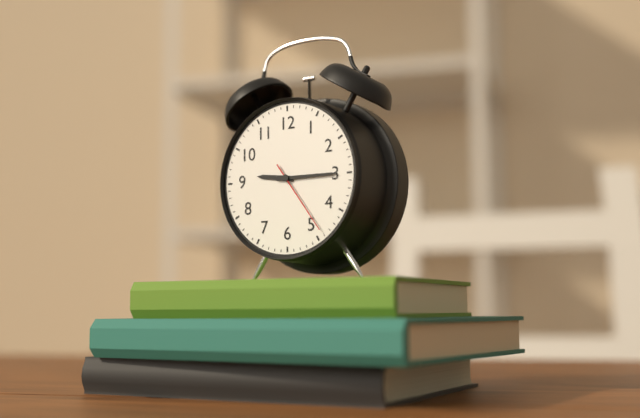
h=9 m=15 s=24
